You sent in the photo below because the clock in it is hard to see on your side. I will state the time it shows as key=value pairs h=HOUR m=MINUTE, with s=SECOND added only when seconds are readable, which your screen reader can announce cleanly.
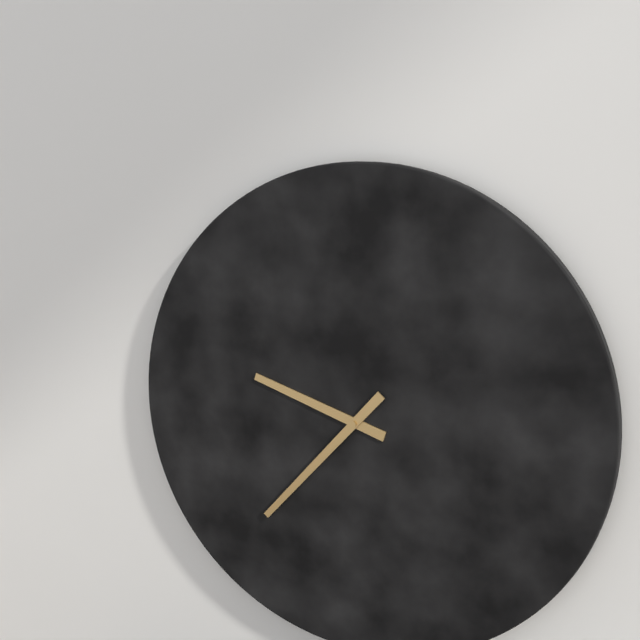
h=9 m=37
